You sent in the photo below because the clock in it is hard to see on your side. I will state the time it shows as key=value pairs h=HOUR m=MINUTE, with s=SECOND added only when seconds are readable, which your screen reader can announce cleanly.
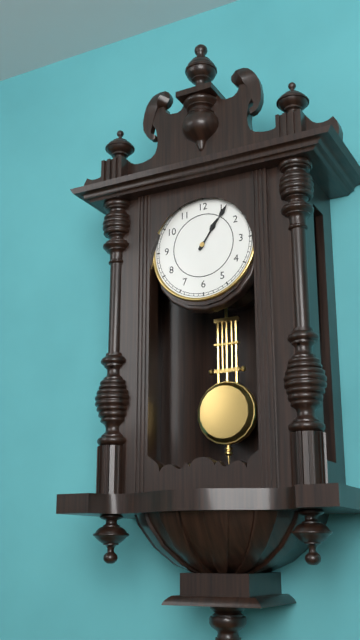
h=1 m=6
